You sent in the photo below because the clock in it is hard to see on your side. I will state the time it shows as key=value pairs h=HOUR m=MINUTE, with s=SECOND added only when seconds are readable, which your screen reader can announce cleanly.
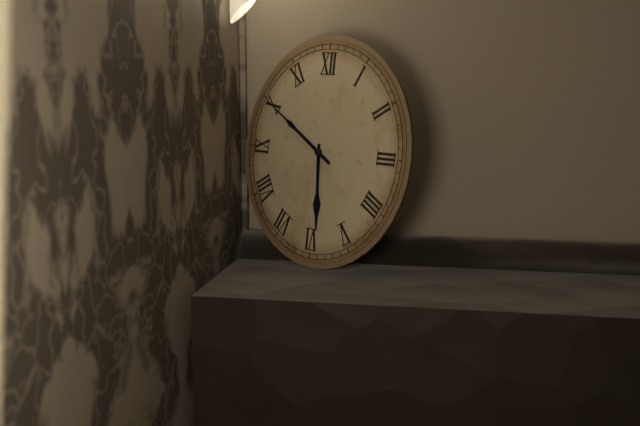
h=5 m=50
